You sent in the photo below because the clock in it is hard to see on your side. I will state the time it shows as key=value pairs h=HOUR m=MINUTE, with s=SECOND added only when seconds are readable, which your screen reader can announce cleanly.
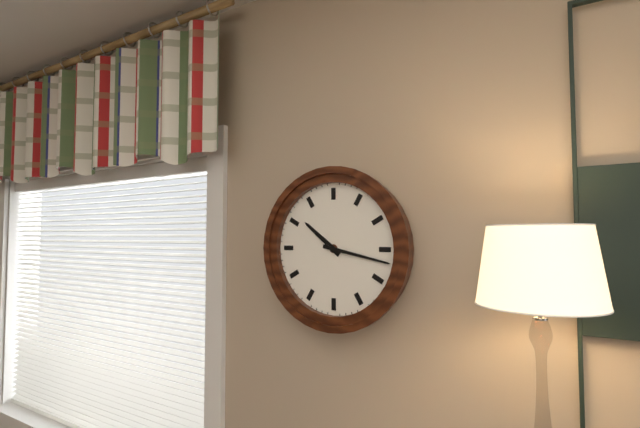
h=10 m=17
